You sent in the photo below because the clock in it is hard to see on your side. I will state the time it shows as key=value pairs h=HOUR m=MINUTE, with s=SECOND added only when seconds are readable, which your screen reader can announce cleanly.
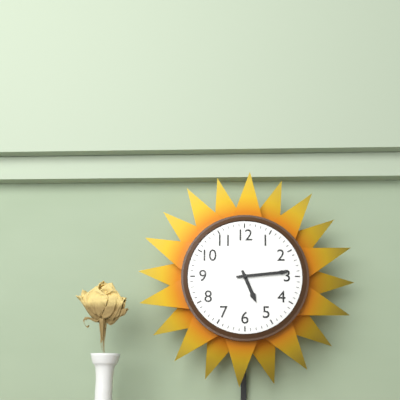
h=5 m=14
